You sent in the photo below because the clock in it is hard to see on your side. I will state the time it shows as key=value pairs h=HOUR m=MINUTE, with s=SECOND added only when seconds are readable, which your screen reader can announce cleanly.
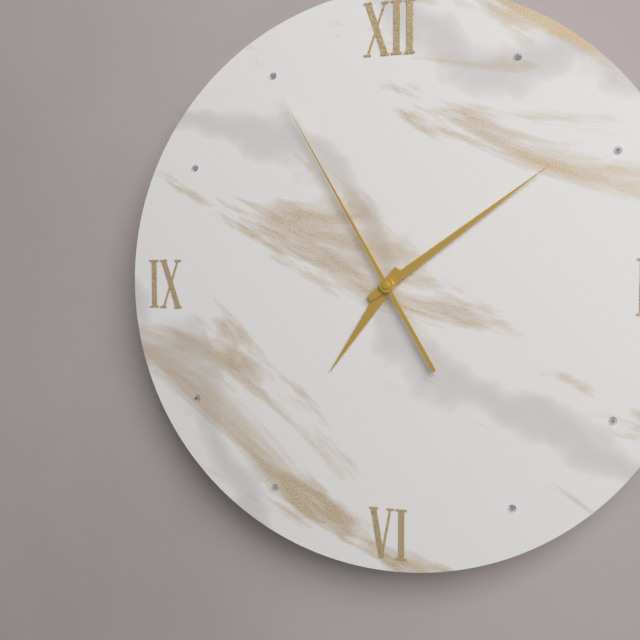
h=7 m=9 s=55
